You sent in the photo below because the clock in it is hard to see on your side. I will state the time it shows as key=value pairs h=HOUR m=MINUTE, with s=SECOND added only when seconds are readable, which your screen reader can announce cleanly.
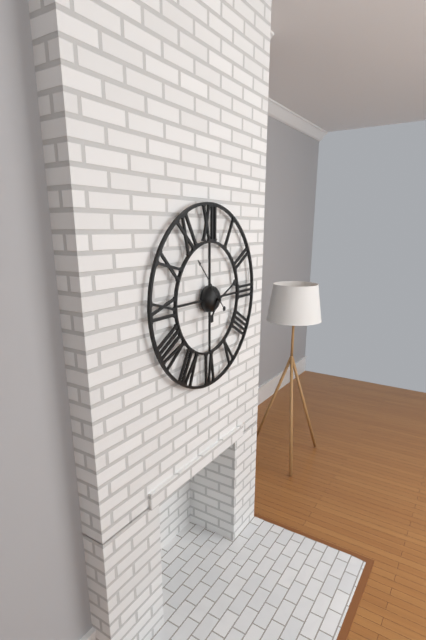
h=7 m=11 s=53
